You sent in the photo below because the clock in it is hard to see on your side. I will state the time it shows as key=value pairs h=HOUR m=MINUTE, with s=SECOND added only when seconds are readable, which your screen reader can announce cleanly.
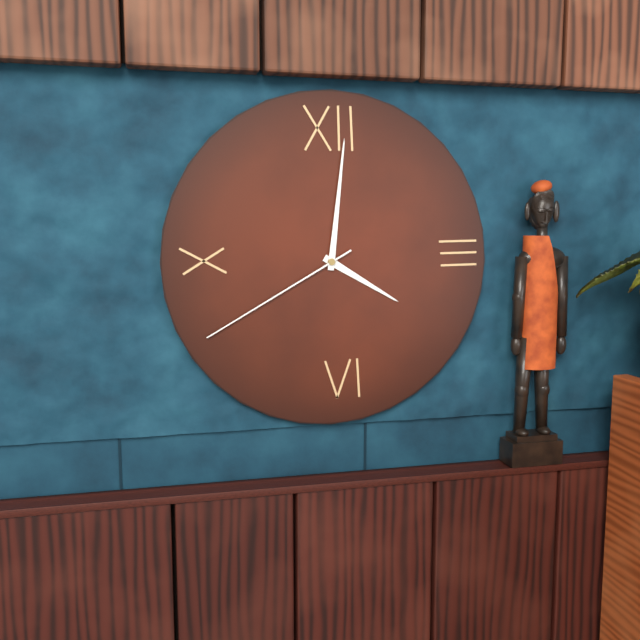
h=4 m=1 s=40
